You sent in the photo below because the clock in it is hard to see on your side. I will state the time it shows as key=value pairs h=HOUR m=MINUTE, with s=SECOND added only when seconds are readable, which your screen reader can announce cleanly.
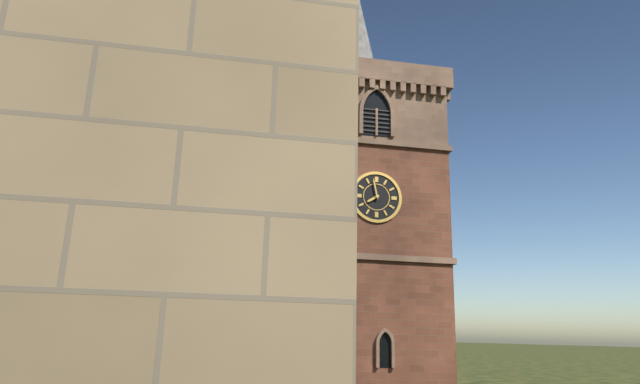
h=7 m=58
